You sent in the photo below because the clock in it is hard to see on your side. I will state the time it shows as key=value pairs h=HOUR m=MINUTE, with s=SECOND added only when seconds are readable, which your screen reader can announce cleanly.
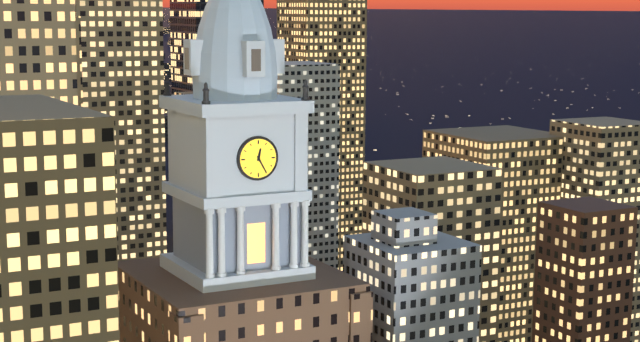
h=12 m=25
